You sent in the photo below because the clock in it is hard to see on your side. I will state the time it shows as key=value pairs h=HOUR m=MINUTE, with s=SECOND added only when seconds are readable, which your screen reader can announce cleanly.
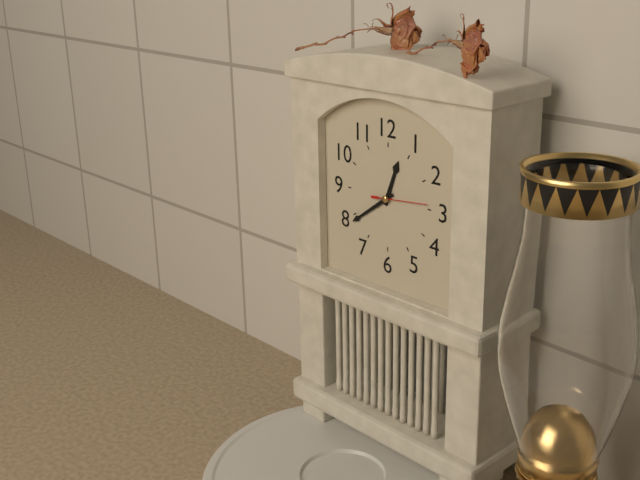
h=12 m=39 s=14
